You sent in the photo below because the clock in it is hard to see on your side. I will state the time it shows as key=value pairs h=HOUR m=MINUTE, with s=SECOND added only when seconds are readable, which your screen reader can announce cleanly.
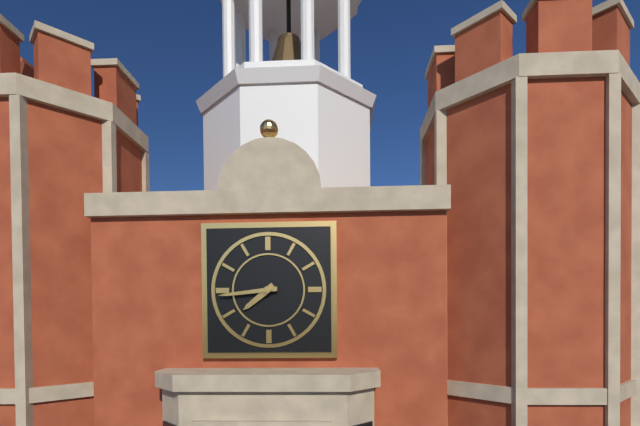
h=7 m=44
